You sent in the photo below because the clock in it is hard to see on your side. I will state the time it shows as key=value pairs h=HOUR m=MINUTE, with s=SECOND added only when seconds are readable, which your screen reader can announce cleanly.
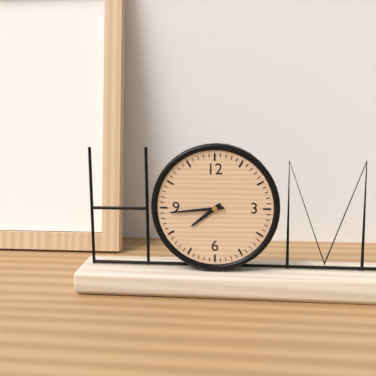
h=7 m=44
